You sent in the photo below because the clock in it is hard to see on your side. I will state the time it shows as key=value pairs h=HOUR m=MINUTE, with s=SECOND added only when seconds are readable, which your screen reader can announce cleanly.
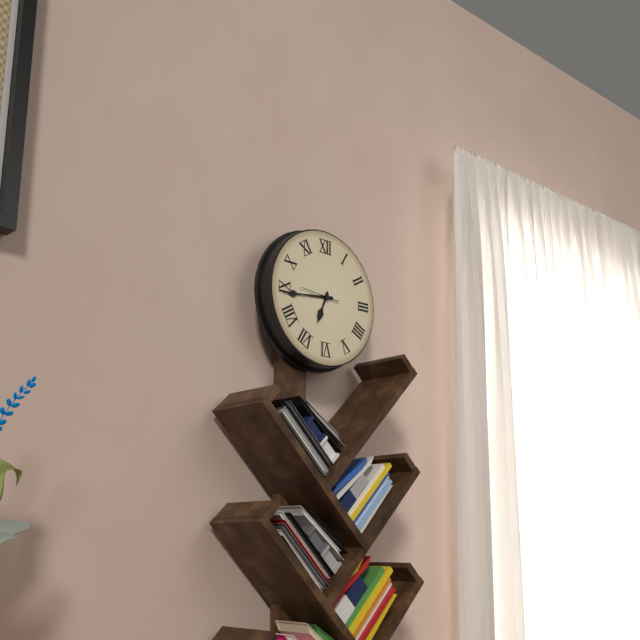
h=6 m=44
